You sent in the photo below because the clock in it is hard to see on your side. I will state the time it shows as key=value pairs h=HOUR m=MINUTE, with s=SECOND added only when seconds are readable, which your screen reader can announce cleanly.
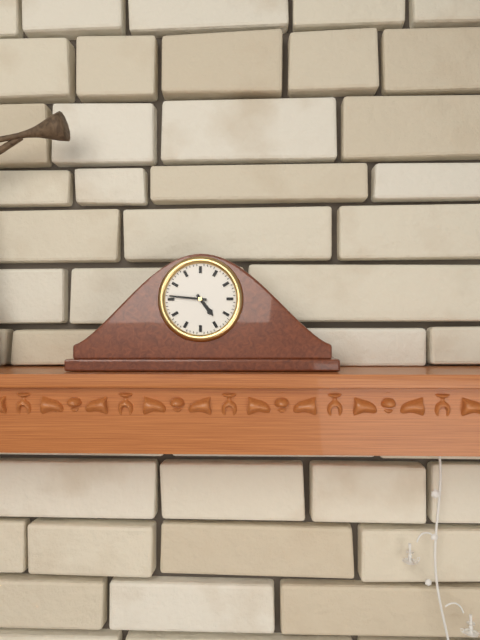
h=4 m=46
